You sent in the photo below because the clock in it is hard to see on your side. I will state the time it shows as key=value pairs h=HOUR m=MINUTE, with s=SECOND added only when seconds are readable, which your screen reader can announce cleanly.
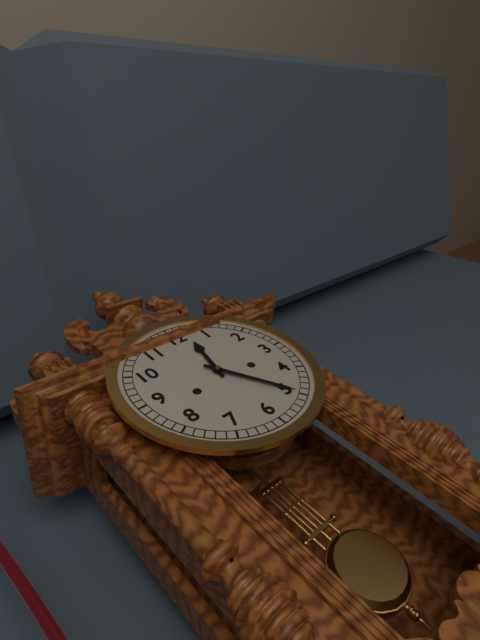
h=12 m=25
